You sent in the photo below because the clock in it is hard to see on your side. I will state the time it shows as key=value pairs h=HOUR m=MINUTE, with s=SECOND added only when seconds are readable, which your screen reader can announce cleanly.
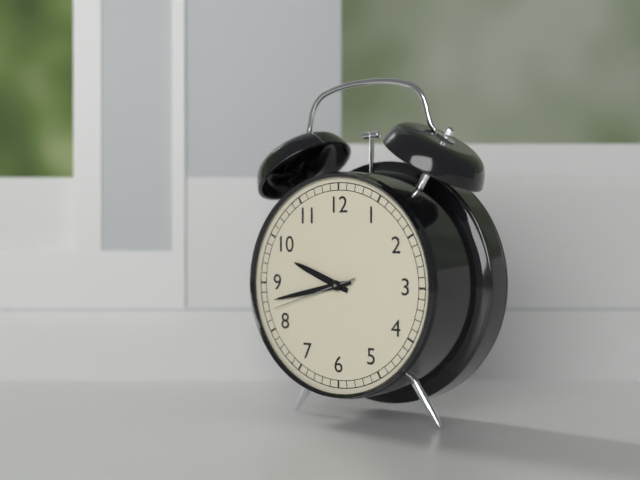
h=9 m=43 s=42
